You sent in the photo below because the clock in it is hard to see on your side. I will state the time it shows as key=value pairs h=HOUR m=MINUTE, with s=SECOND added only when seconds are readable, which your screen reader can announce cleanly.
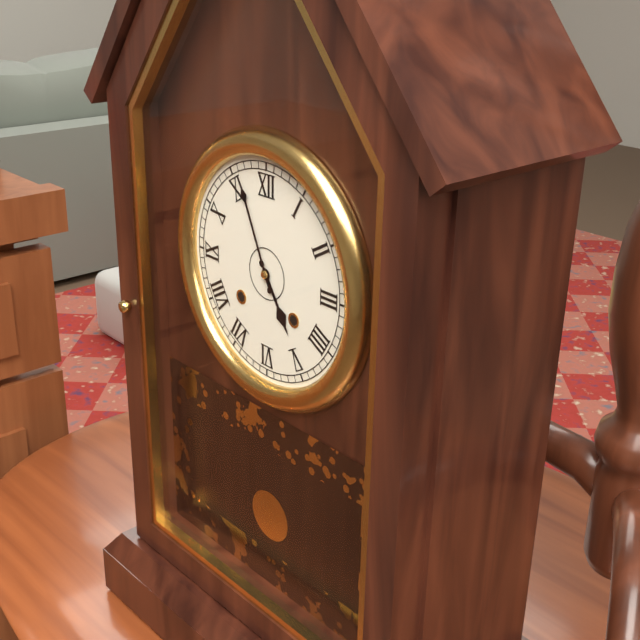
h=4 m=56
